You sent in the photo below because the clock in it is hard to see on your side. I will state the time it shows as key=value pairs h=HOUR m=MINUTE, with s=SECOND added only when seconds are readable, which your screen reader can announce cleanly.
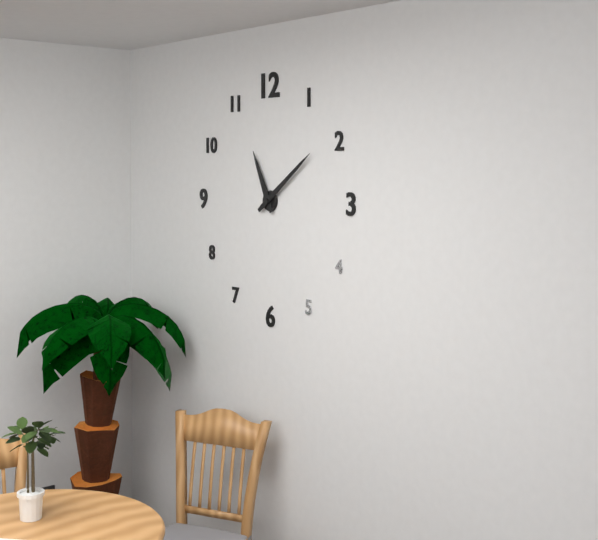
h=11 m=9
